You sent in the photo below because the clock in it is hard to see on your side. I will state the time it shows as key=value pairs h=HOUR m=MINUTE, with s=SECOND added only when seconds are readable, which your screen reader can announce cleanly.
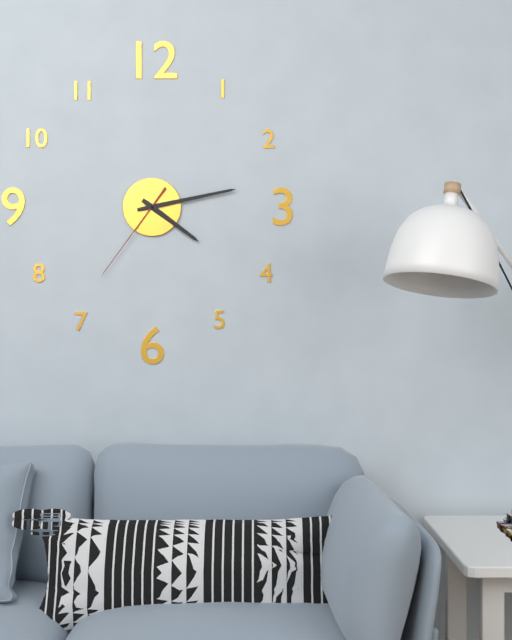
h=4 m=13 s=36
